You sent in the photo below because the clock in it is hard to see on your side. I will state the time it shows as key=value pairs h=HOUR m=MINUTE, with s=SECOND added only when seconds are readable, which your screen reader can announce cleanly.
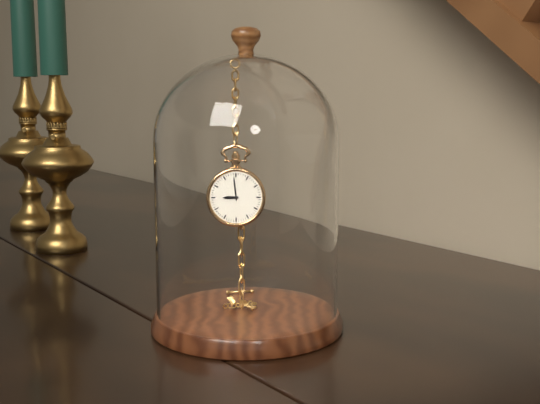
h=8 m=59
